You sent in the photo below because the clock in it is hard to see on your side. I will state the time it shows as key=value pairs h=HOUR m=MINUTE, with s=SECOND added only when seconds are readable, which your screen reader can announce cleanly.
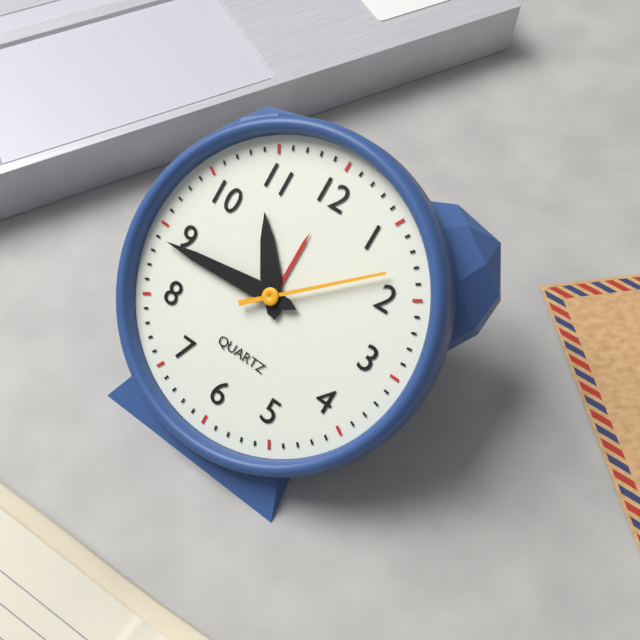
h=10 m=44 s=8
